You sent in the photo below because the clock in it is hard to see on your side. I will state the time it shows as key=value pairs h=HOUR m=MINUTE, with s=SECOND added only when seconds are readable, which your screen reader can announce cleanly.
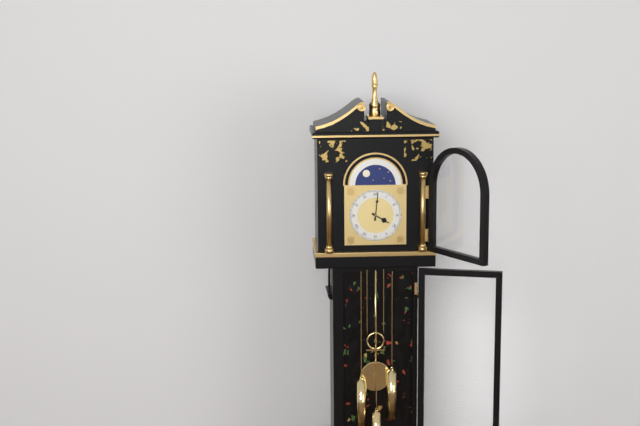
h=4 m=1
